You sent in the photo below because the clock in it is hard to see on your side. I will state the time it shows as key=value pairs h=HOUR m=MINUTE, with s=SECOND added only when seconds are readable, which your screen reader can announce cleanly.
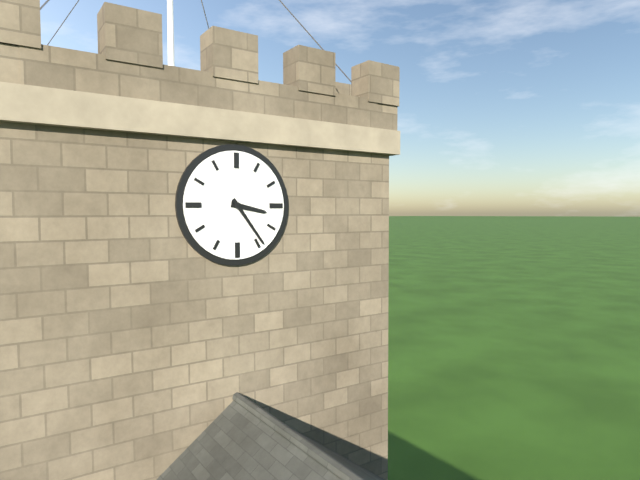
h=3 m=24
